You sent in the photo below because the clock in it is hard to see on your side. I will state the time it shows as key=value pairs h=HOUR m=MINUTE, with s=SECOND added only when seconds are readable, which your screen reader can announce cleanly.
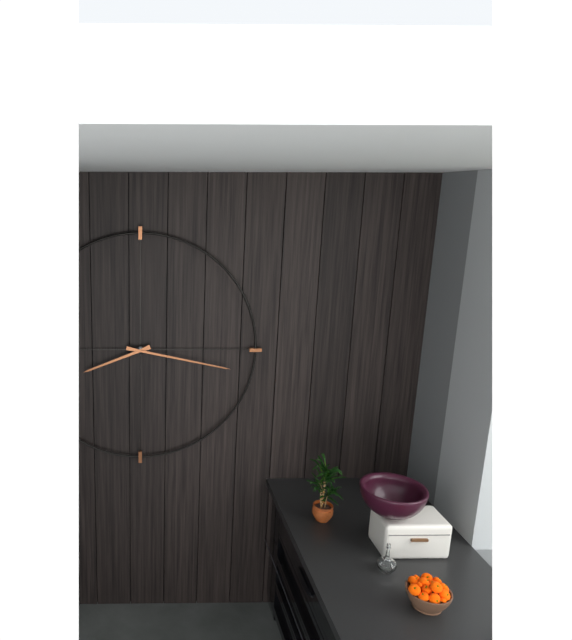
h=8 m=17
